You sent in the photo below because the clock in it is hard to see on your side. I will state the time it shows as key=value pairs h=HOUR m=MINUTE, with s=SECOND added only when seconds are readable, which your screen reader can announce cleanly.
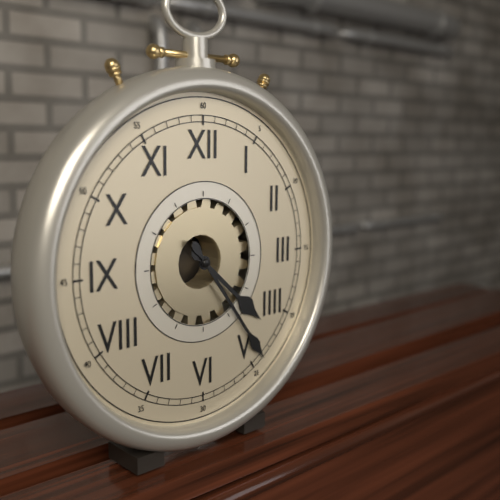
h=4 m=24
